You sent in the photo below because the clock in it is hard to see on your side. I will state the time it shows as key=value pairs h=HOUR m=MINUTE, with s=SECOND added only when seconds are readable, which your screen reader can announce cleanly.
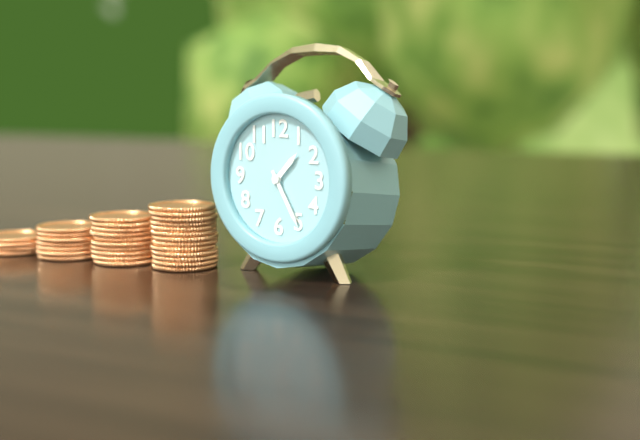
h=1 m=25
